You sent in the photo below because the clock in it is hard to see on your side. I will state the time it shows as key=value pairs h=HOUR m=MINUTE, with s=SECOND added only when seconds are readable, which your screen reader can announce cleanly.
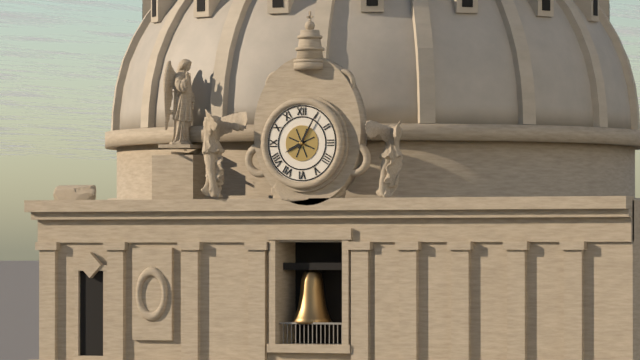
h=8 m=5
